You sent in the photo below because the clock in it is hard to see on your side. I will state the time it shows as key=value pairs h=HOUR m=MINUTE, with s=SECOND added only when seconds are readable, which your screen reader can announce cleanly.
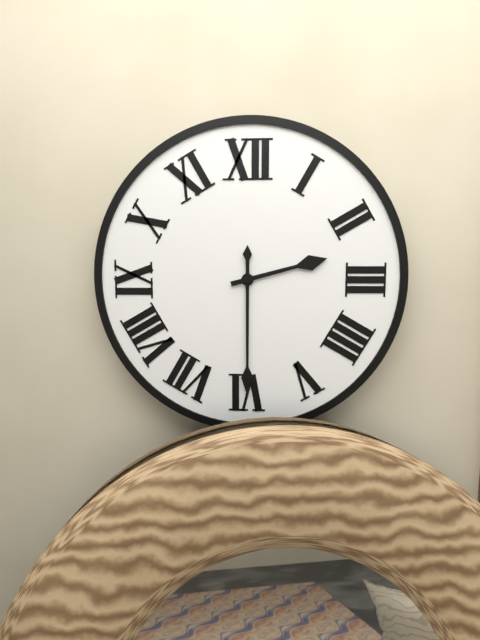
h=2 m=30
